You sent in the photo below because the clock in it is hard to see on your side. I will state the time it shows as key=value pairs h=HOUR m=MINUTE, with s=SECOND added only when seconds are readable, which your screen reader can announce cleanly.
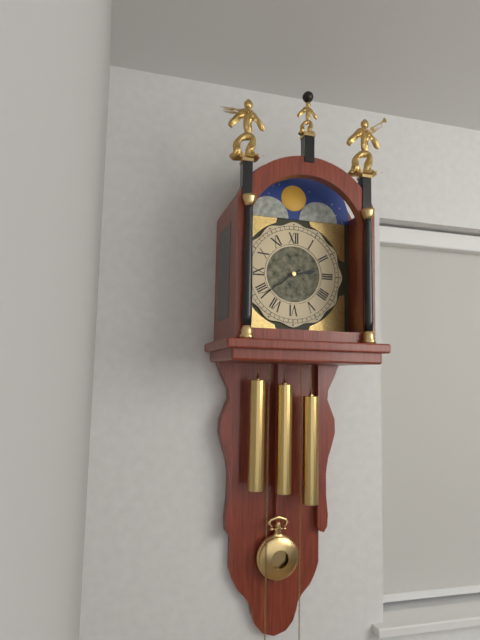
h=2 m=39
